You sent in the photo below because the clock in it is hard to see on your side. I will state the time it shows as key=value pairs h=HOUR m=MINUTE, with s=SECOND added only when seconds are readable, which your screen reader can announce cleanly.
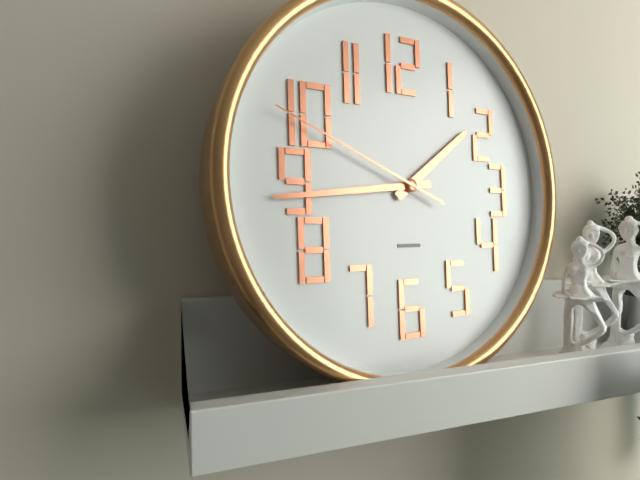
h=1 m=44 s=49
